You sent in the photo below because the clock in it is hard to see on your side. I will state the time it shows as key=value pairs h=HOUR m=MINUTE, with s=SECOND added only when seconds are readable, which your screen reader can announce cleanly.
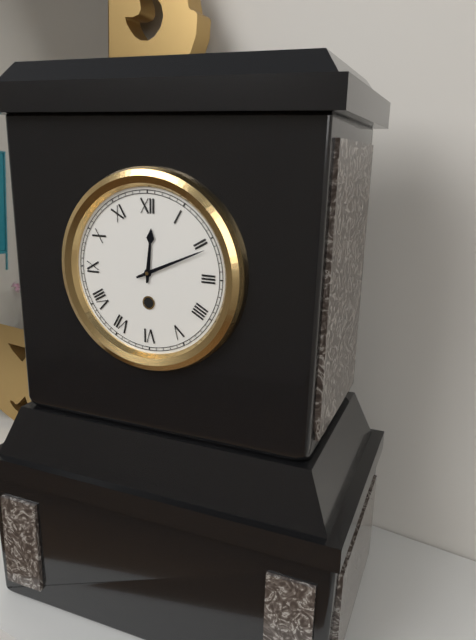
h=12 m=11
